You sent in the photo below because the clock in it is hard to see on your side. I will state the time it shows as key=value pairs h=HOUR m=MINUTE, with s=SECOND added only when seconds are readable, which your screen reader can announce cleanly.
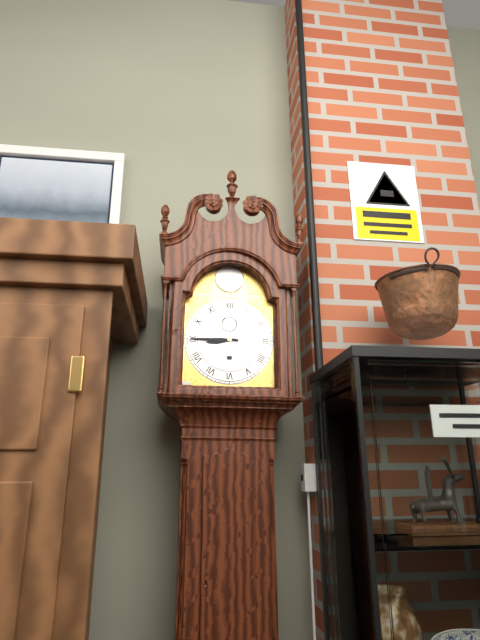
h=8 m=45
